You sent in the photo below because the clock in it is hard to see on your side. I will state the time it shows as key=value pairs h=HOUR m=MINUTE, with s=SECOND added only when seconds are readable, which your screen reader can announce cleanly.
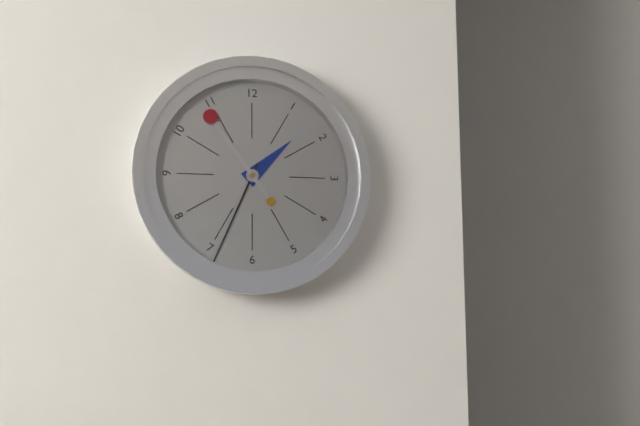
h=1 m=34 s=54
